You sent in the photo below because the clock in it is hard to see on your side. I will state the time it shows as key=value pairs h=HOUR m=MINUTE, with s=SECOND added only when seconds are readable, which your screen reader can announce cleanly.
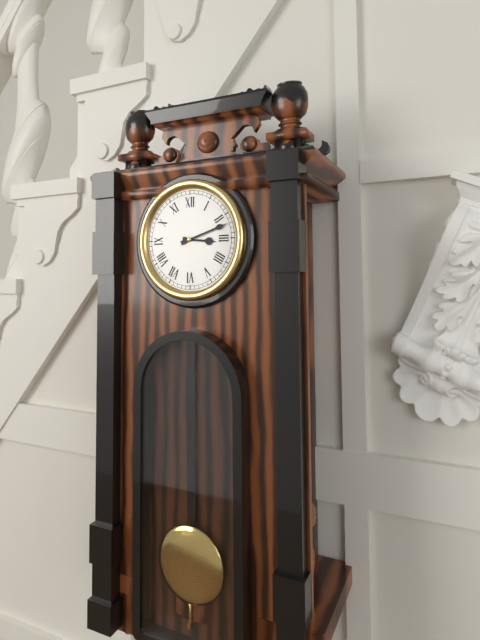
h=3 m=12
